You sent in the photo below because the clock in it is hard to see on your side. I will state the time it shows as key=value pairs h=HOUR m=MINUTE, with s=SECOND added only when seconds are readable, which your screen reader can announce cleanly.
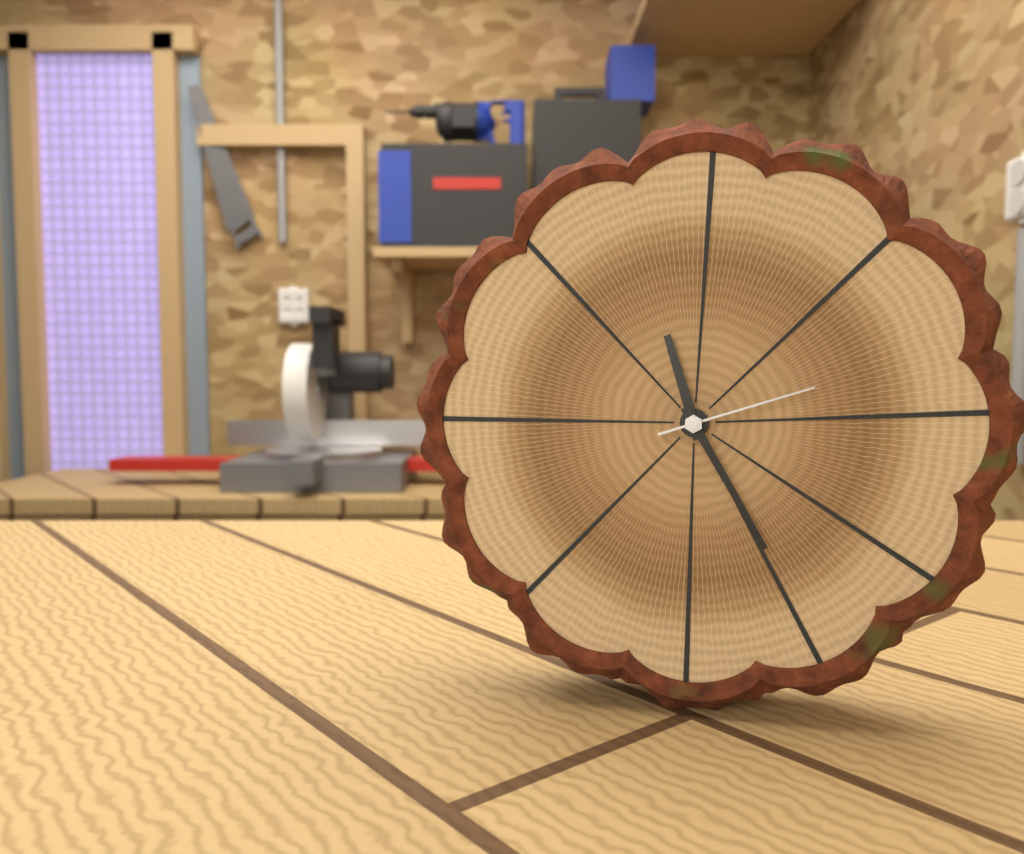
h=11 m=25 s=12
